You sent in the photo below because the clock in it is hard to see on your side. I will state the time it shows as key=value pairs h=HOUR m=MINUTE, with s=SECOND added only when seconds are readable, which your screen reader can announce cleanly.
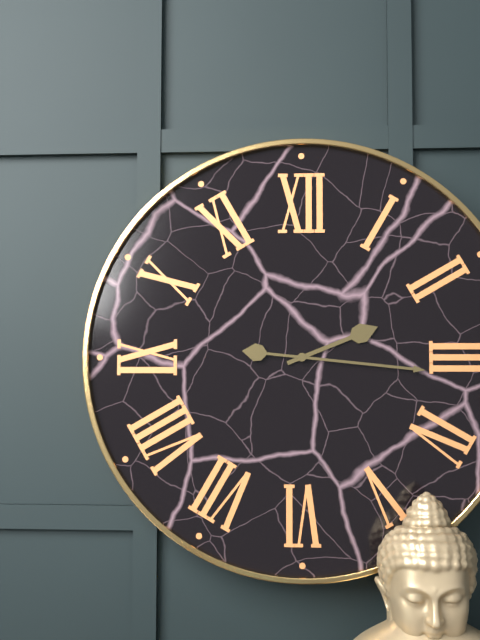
h=2 m=16
